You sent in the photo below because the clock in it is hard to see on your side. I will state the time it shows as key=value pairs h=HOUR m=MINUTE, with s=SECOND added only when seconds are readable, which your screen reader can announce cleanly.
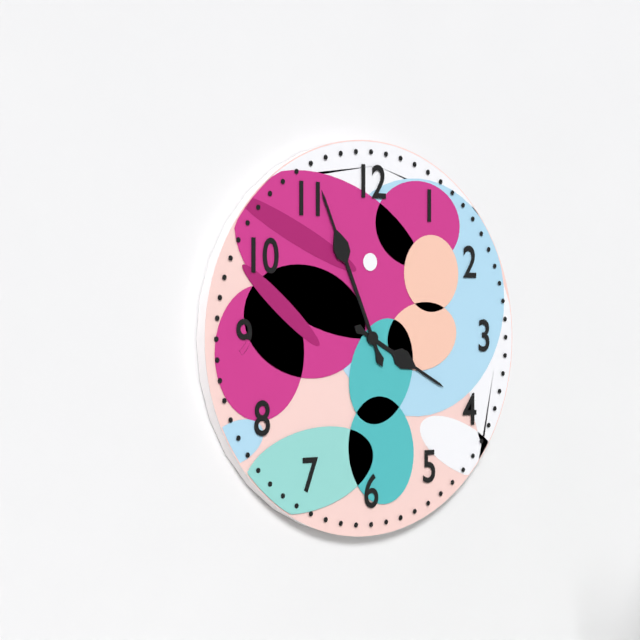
h=3 m=56
